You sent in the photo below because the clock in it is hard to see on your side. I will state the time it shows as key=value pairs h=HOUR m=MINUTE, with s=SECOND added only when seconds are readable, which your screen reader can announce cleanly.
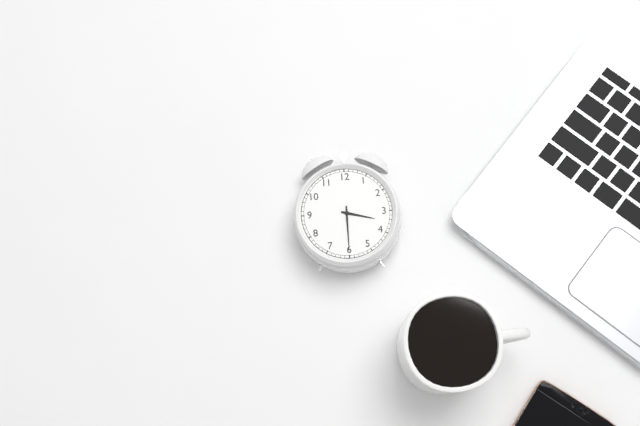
h=3 m=30
